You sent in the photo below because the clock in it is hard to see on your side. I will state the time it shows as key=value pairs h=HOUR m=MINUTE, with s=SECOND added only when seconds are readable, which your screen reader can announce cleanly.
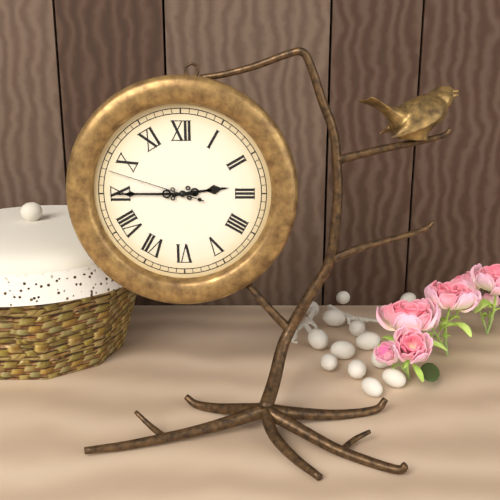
h=2 m=45 s=48
